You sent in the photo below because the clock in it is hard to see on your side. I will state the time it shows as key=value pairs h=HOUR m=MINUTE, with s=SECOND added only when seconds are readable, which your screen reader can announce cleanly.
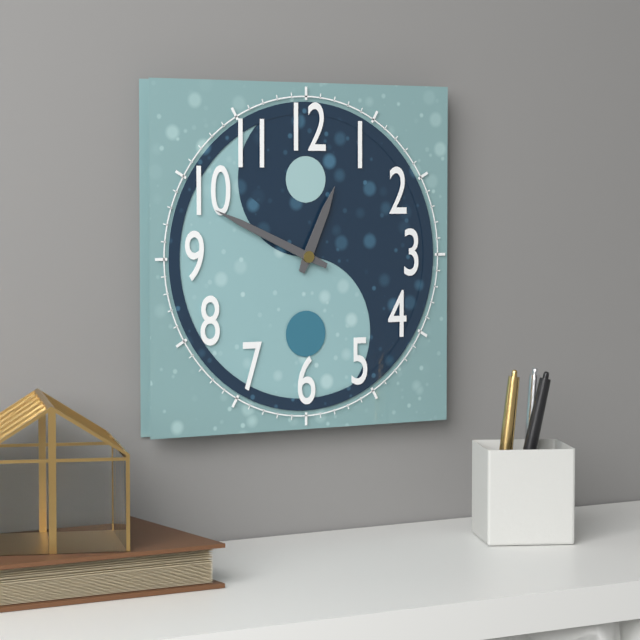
h=12 m=49
